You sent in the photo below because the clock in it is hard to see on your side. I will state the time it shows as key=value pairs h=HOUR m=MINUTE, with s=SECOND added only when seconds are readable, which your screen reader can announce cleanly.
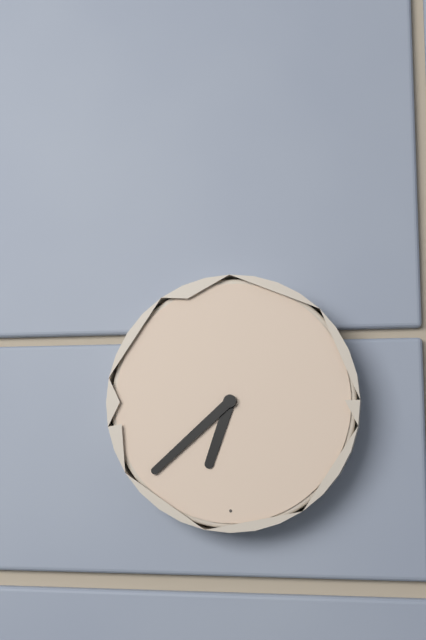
h=6 m=38
